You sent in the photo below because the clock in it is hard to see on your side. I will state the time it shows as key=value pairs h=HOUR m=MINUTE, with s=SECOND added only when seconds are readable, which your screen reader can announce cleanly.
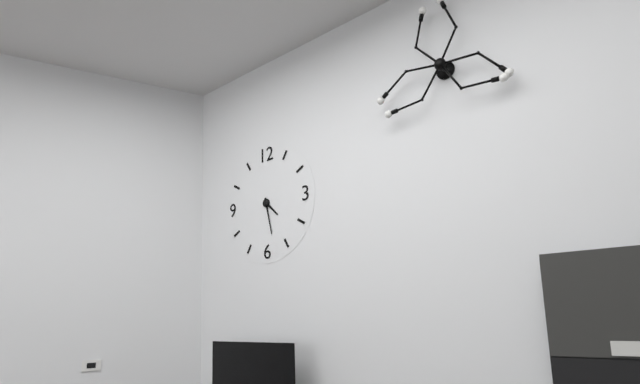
h=4 m=28
